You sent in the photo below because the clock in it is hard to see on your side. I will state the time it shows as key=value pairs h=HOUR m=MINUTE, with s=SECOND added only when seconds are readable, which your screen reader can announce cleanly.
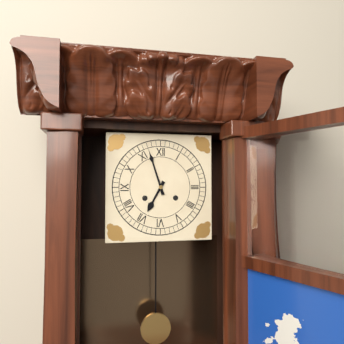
h=6 m=57
